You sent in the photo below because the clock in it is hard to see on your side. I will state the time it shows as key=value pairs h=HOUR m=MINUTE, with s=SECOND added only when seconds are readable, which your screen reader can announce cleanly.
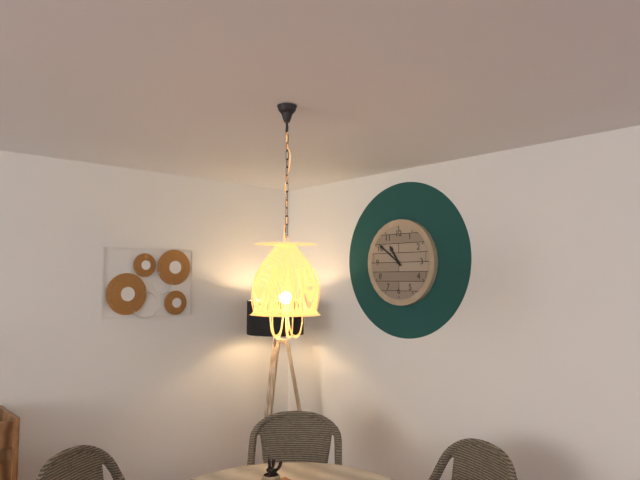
h=10 m=51
